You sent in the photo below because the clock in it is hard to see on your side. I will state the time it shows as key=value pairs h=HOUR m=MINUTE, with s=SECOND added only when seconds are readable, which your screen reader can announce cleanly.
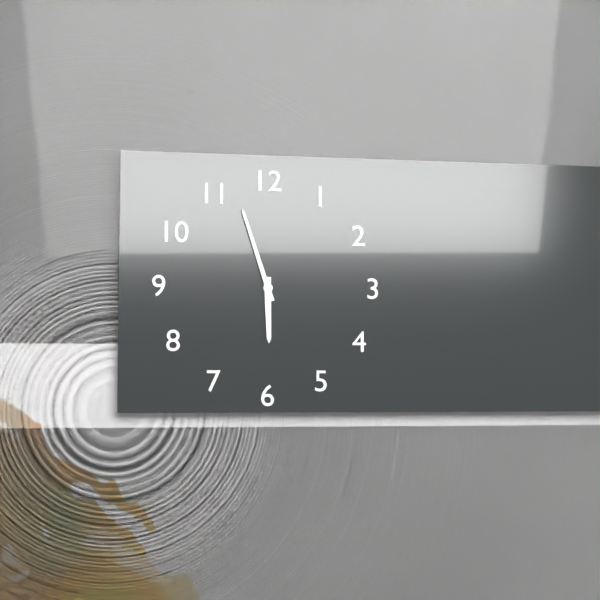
h=5 m=57
